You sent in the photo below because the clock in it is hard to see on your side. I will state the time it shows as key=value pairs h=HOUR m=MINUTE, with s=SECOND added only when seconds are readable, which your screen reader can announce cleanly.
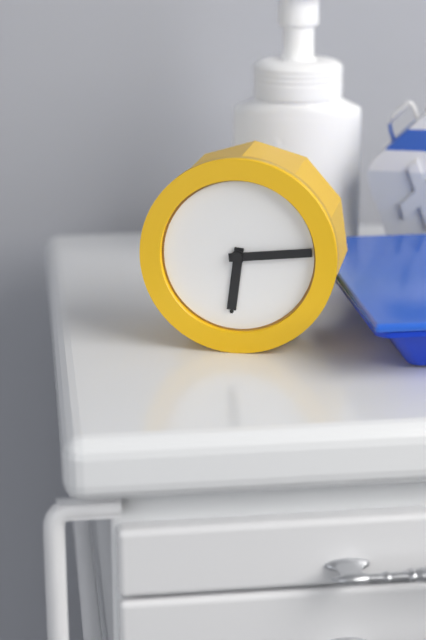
h=6 m=14
